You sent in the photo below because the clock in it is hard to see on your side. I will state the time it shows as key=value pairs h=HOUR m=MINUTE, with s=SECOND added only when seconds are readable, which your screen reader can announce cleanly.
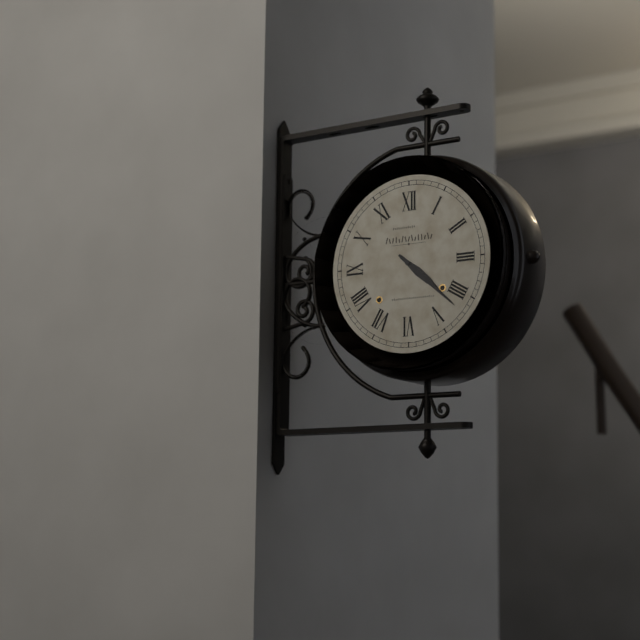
h=4 m=22
